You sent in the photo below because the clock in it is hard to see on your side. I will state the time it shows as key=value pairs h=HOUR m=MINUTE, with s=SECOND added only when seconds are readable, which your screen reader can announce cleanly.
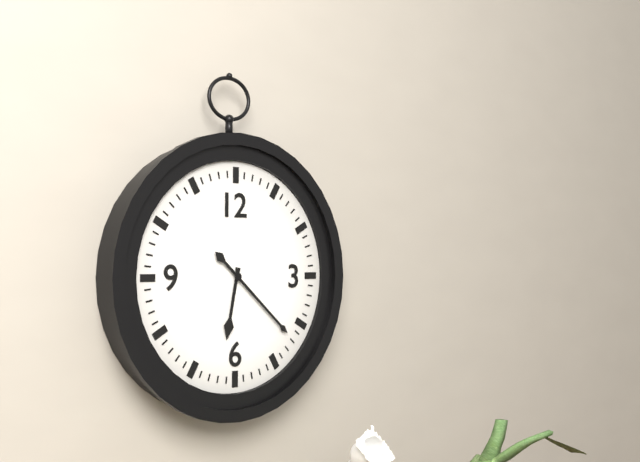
h=6 m=22
